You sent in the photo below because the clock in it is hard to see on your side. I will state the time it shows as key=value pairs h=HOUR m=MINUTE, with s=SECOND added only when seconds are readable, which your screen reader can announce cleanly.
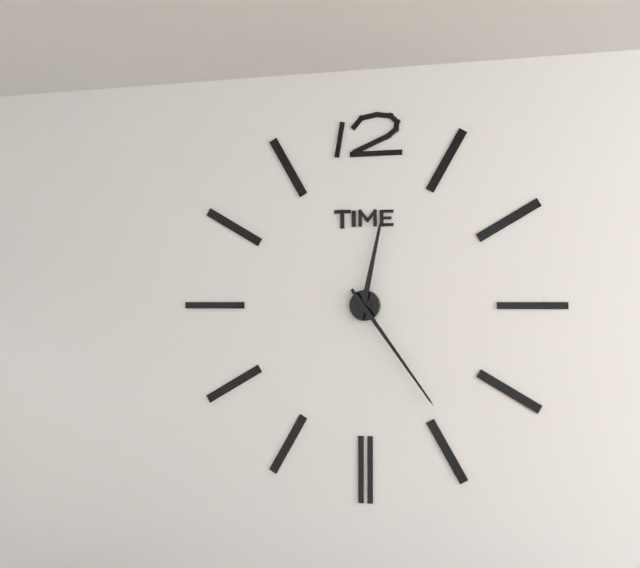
h=12 m=24
